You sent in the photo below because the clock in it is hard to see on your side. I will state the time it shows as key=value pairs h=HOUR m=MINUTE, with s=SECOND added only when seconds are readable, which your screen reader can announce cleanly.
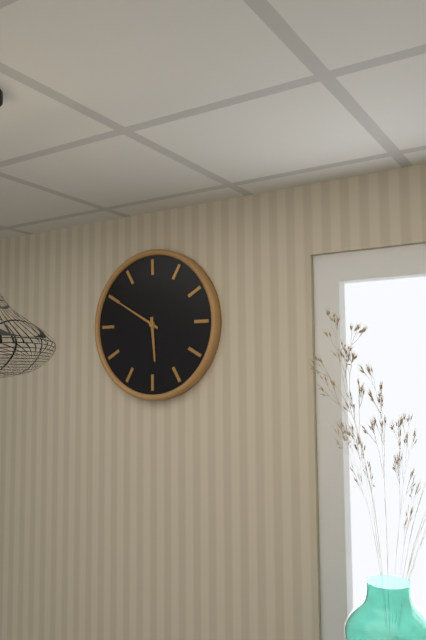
h=5 m=50
